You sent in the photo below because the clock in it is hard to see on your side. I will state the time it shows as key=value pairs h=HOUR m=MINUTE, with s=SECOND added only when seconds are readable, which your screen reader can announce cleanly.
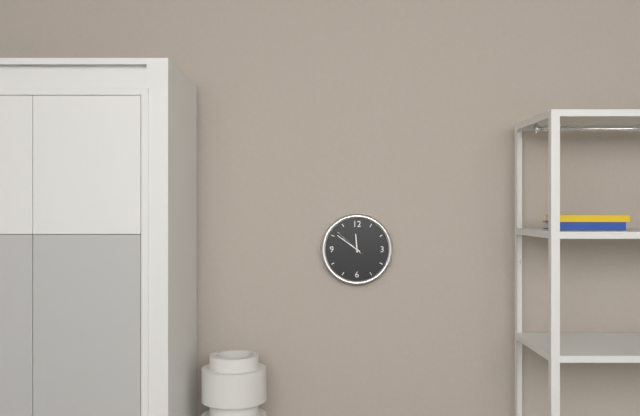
h=11 m=51
